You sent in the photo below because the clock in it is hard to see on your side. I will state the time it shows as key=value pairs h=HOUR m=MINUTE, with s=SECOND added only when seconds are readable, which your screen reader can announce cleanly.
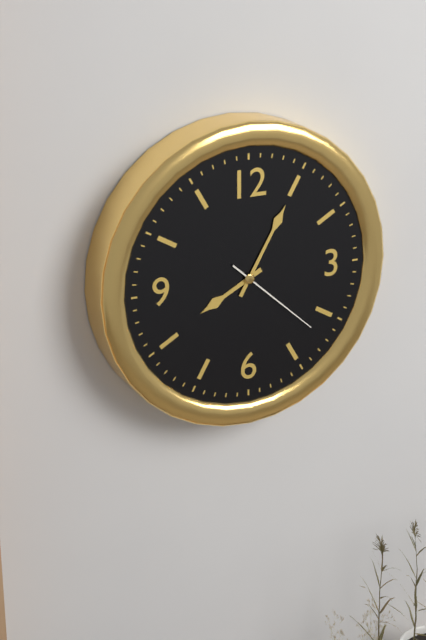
h=8 m=5 s=22
